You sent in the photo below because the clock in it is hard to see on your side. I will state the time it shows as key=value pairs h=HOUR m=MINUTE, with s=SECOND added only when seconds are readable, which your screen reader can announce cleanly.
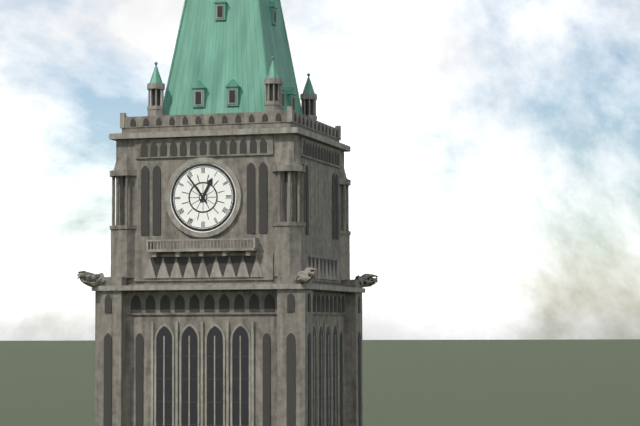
h=12 m=54
